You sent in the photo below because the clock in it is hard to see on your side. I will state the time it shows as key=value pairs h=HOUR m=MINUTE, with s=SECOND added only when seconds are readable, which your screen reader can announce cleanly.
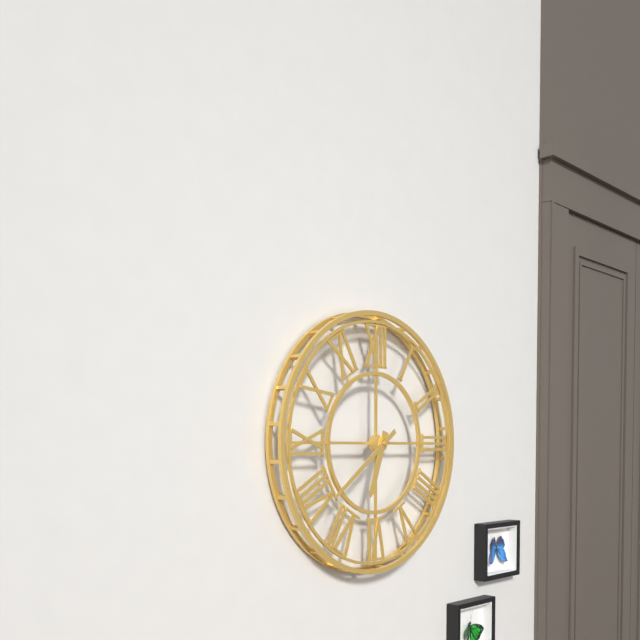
h=6 m=39
